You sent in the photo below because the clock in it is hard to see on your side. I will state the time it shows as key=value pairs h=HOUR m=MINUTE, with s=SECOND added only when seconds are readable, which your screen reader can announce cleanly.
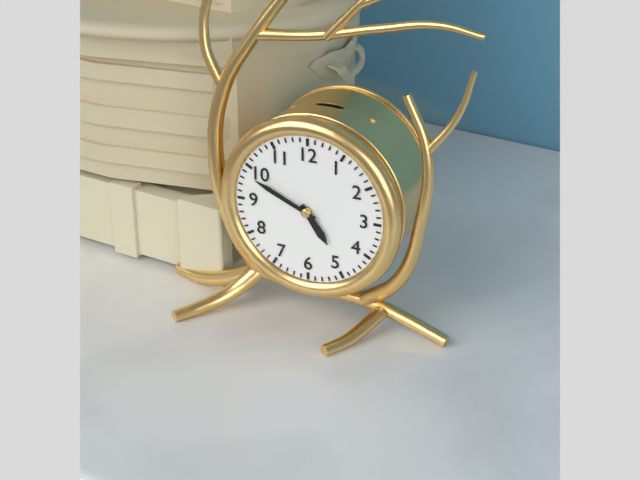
h=4 m=49
